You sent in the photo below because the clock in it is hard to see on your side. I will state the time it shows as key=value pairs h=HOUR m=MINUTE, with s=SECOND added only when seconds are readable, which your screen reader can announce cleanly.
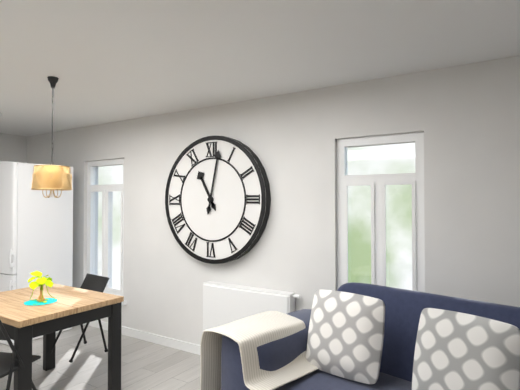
h=11 m=2
